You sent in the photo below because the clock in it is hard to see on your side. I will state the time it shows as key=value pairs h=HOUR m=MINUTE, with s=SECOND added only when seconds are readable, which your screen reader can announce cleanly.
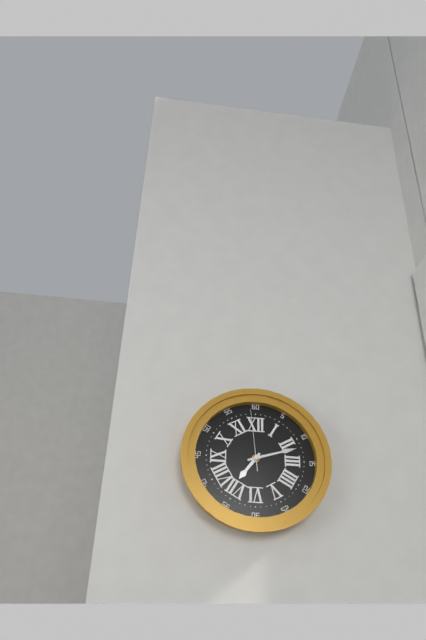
h=7 m=12 s=59
